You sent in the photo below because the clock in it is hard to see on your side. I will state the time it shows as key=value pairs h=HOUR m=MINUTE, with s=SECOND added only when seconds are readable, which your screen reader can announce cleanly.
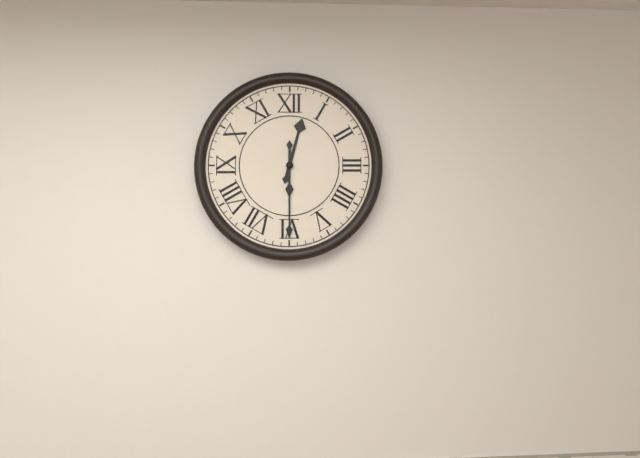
h=12 m=30
